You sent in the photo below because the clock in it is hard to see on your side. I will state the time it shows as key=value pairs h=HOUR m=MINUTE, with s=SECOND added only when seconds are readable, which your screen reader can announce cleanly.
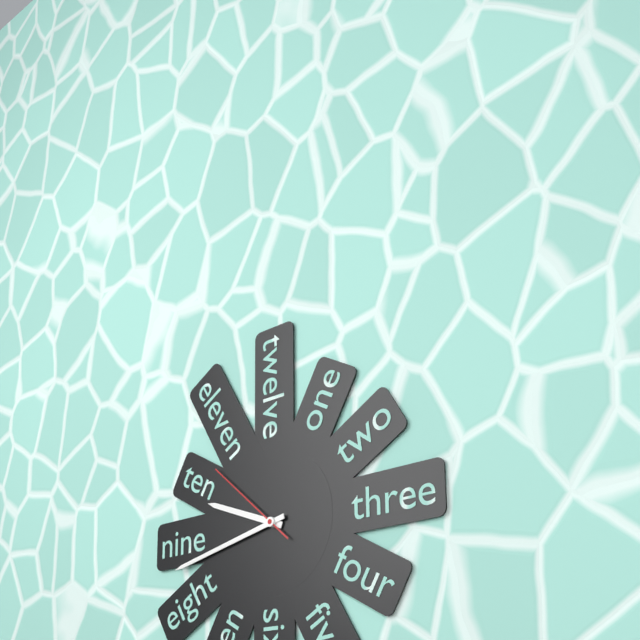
h=9 m=43 s=52
